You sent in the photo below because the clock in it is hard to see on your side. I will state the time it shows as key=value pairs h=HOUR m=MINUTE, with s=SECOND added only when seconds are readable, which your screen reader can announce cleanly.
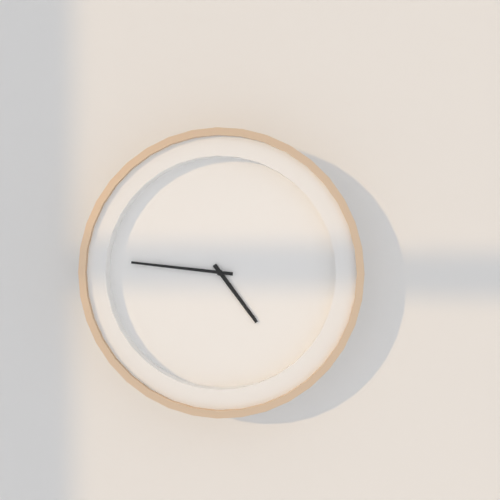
h=4 m=46
